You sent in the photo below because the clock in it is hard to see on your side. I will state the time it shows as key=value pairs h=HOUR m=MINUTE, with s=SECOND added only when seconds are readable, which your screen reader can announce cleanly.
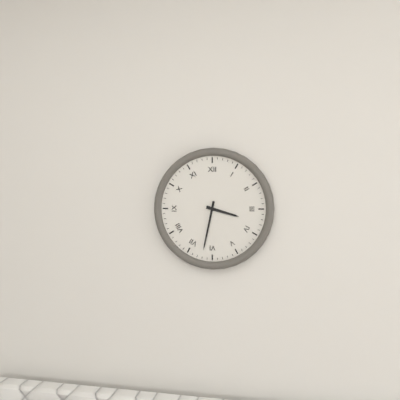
h=3 m=32
